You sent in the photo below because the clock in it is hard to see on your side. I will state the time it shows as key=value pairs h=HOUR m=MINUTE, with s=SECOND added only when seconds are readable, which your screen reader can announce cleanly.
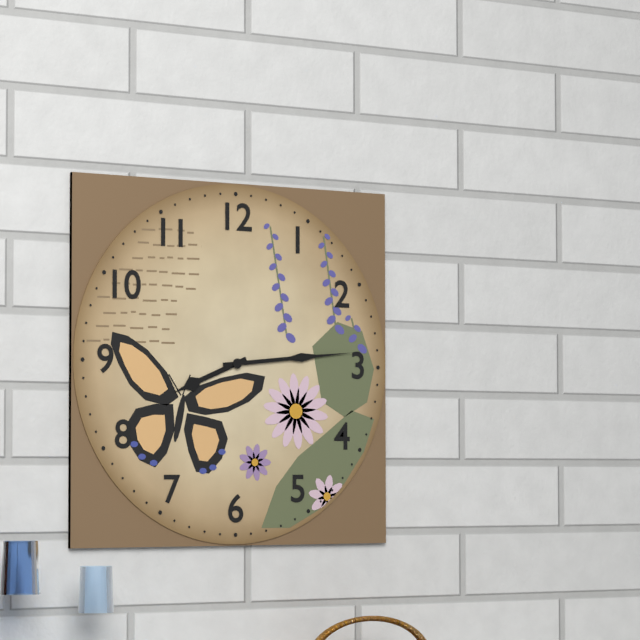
h=8 m=14
